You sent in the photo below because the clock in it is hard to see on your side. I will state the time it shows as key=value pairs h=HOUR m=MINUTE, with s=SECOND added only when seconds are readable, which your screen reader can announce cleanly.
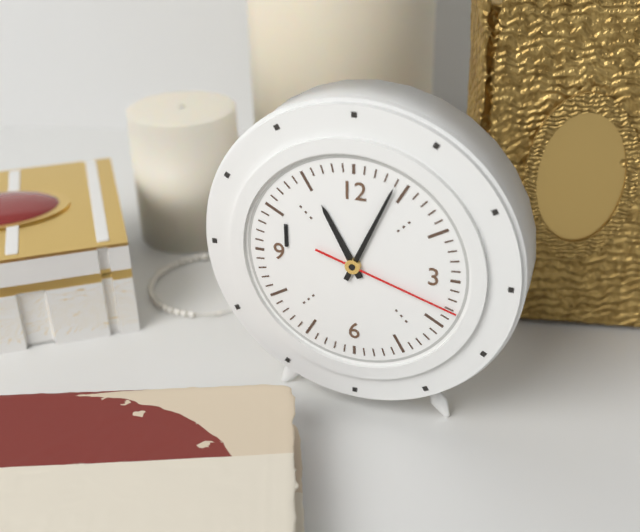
h=11 m=4 s=18
